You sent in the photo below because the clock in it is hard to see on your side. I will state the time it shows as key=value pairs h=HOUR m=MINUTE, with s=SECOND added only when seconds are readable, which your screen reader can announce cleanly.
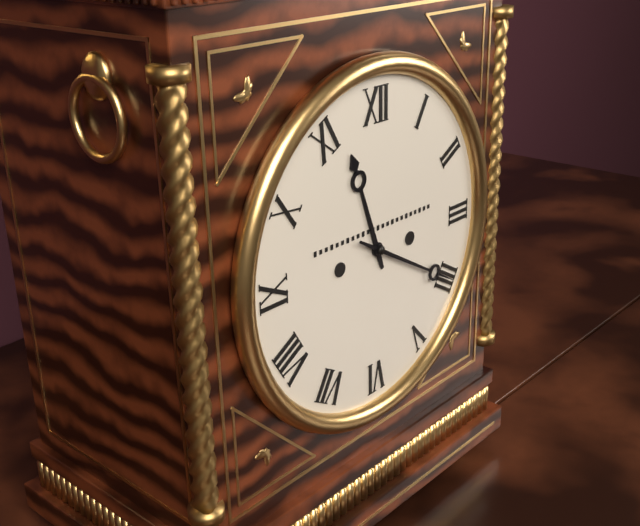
h=11 m=20
